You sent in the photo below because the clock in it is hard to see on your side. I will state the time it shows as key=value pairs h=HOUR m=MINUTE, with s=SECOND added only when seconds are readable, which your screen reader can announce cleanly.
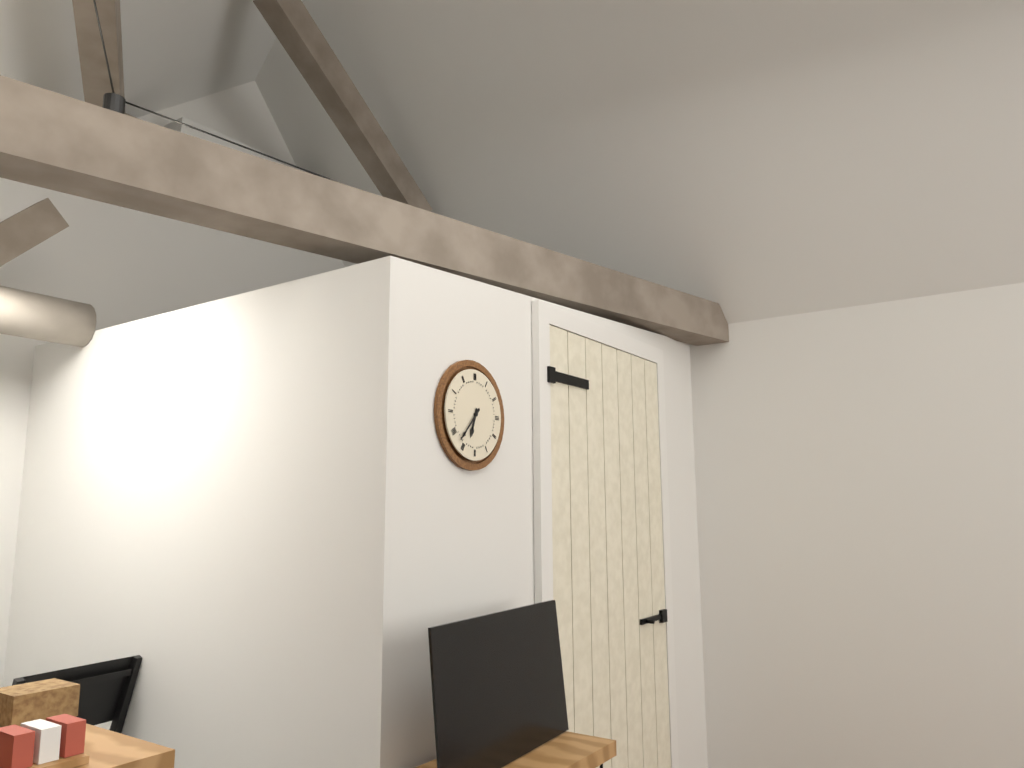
h=6 m=37
